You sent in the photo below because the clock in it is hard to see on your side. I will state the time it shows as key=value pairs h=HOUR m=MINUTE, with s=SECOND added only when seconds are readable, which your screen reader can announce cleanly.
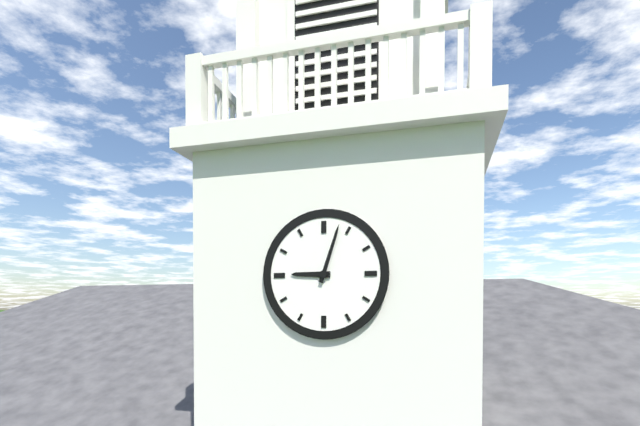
h=9 m=3
